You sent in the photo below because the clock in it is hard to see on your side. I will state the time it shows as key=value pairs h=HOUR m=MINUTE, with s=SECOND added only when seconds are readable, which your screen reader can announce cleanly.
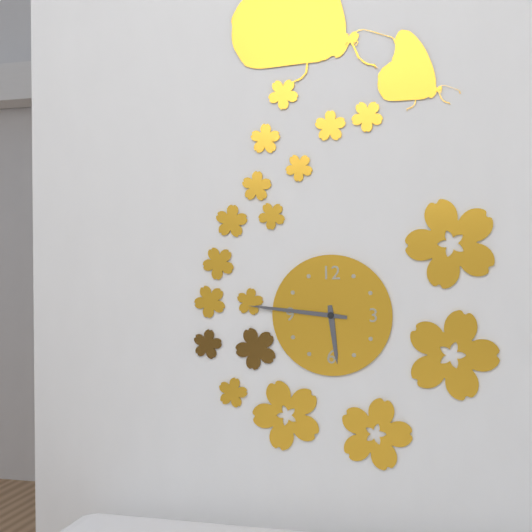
h=5 m=46
